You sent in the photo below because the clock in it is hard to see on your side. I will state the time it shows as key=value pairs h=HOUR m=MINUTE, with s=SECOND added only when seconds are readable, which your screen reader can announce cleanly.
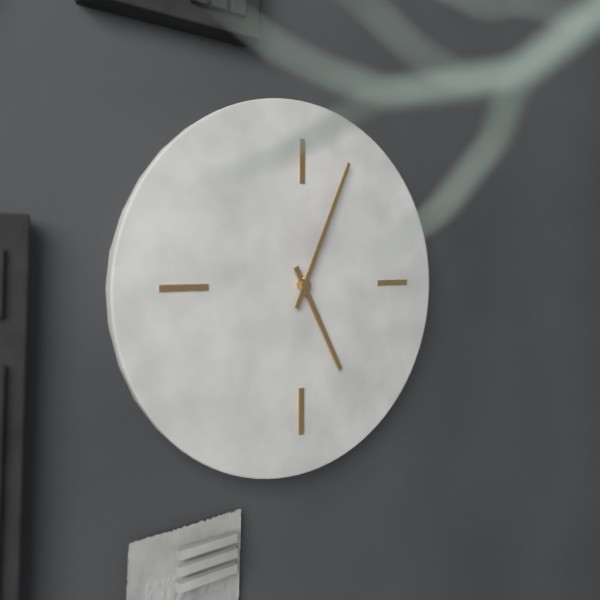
h=5 m=4
